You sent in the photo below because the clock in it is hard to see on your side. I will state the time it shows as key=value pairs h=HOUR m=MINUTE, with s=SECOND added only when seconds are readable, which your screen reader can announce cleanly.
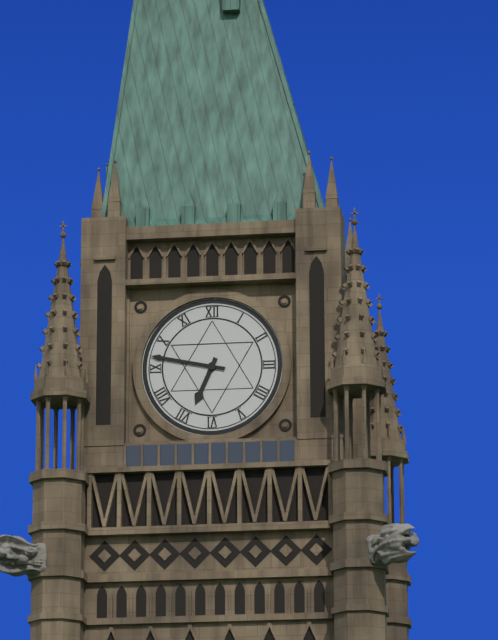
h=6 m=47
